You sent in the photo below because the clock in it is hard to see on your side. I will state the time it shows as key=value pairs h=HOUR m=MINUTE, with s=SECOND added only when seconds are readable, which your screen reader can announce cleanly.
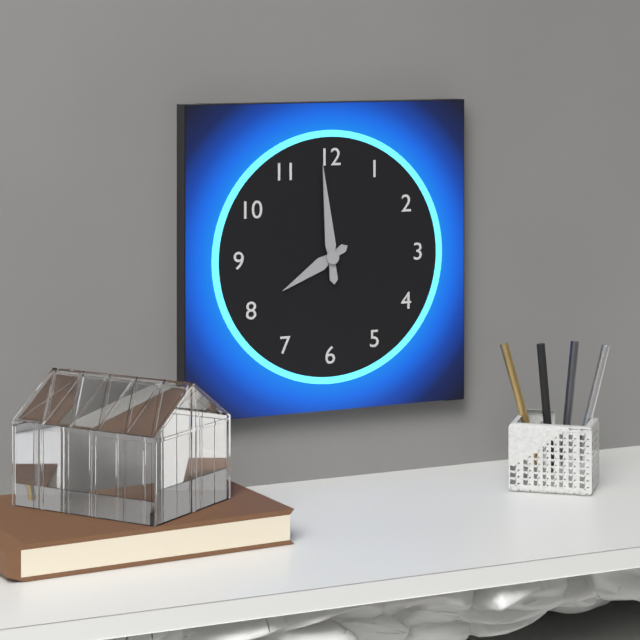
h=7 m=59
